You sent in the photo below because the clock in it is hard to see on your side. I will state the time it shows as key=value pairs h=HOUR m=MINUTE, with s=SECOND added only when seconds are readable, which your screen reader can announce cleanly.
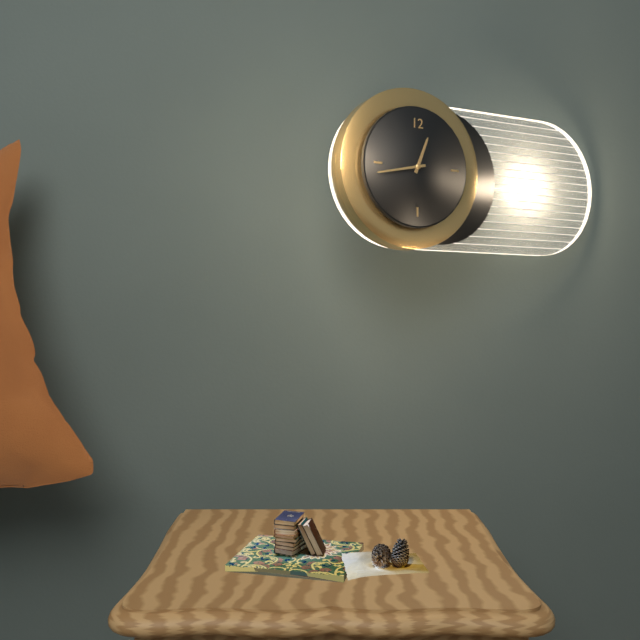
h=12 m=43
